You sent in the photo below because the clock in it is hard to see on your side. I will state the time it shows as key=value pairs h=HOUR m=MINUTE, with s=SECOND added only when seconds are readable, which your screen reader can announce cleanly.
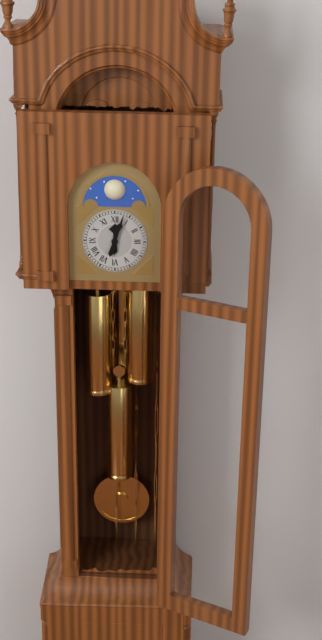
h=12 m=3
